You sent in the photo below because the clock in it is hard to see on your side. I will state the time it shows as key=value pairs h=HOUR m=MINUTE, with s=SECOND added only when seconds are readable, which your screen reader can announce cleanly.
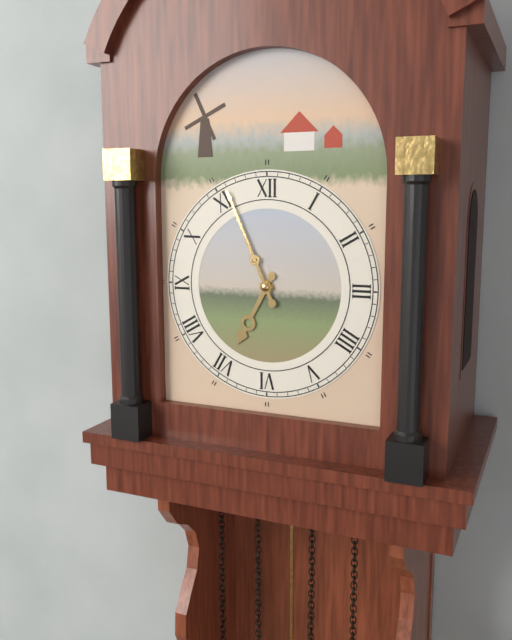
h=6 m=56
